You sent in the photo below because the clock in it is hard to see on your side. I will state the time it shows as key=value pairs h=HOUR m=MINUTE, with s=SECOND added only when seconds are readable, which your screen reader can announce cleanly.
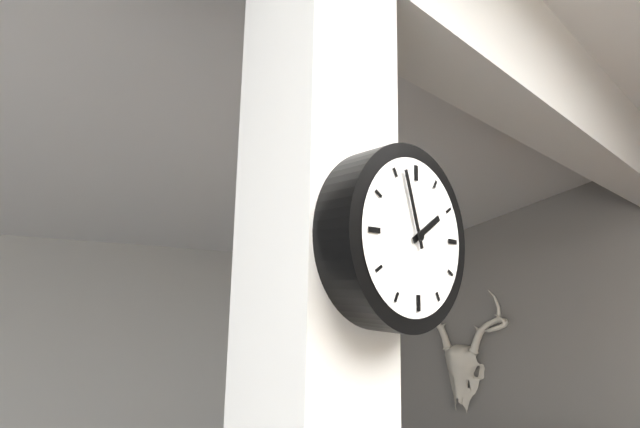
h=1 m=57
